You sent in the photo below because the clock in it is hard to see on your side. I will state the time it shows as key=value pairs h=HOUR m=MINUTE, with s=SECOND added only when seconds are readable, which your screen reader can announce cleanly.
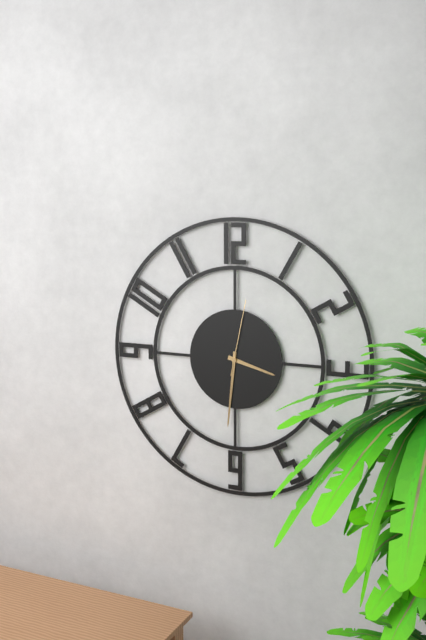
h=3 m=31 s=2
